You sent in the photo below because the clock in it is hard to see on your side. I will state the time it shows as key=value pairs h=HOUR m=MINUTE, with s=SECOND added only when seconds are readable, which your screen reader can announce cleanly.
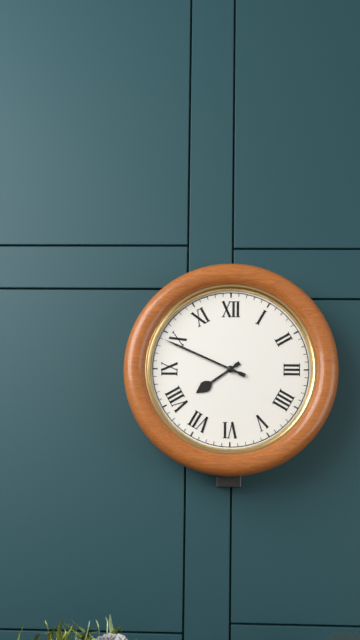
h=7 m=49
